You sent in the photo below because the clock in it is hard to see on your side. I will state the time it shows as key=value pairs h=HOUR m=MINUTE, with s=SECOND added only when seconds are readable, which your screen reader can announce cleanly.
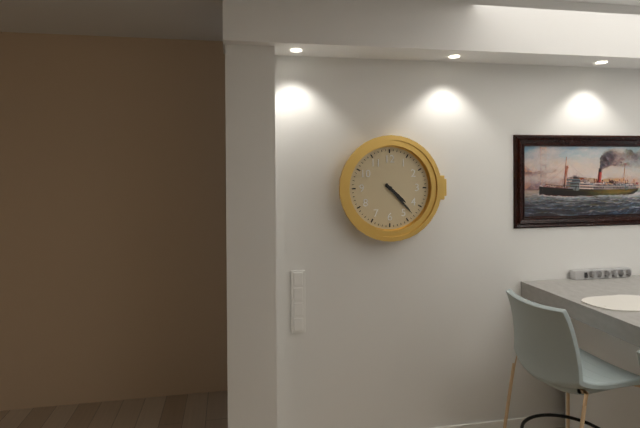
h=4 m=23
